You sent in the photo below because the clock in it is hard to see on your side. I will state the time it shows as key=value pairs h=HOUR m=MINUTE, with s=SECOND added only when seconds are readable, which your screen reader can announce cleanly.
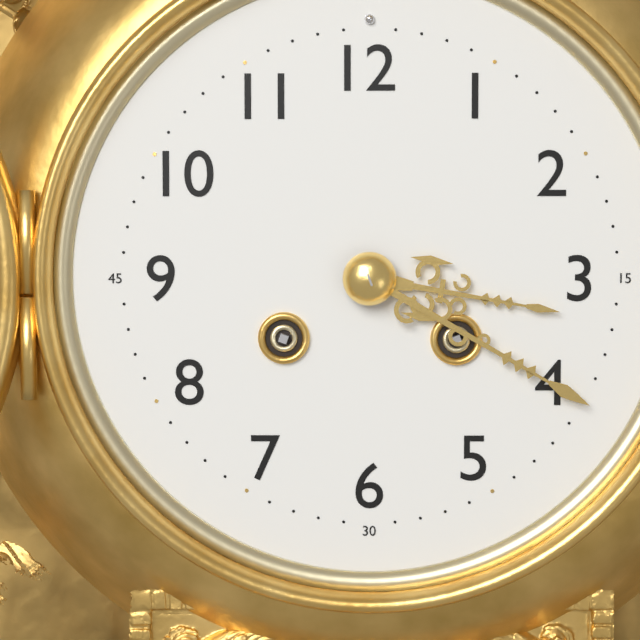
h=3 m=20
